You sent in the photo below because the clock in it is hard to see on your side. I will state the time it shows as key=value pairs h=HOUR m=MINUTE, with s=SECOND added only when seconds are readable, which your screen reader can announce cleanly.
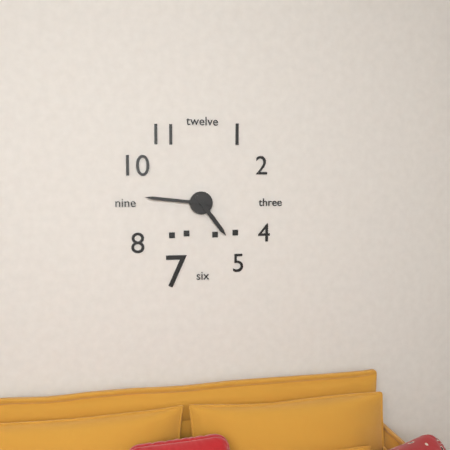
h=4 m=46
